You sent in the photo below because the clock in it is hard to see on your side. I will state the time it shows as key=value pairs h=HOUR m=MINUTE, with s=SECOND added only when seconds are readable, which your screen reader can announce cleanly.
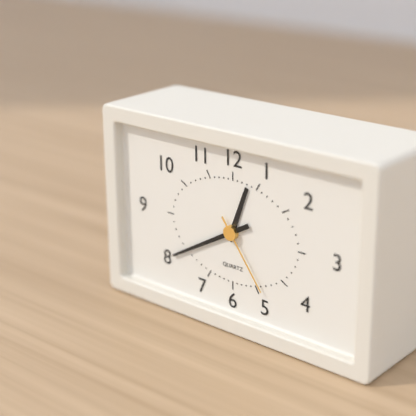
h=12 m=40 s=24
